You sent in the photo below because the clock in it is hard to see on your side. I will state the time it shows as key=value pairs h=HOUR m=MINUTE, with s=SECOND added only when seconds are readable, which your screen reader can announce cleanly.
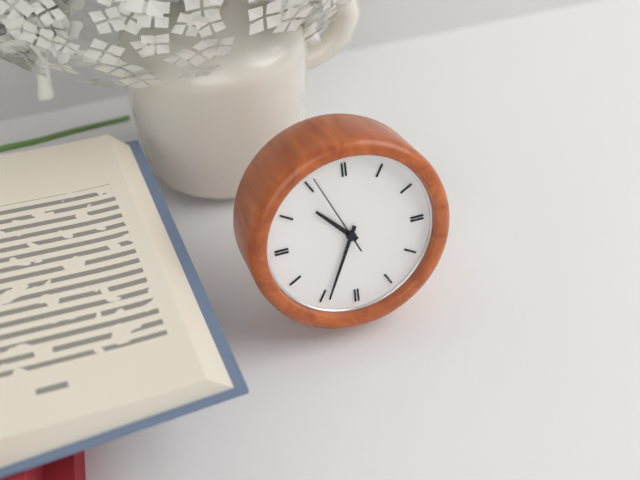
h=10 m=34 s=56
